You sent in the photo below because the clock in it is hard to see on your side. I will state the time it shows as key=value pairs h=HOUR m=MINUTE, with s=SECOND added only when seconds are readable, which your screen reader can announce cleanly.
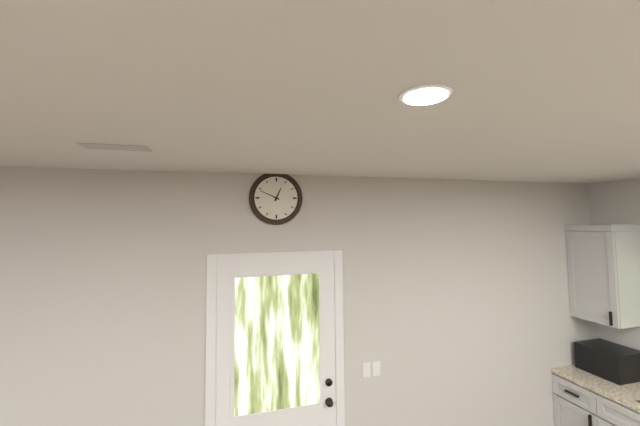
h=12 m=49
